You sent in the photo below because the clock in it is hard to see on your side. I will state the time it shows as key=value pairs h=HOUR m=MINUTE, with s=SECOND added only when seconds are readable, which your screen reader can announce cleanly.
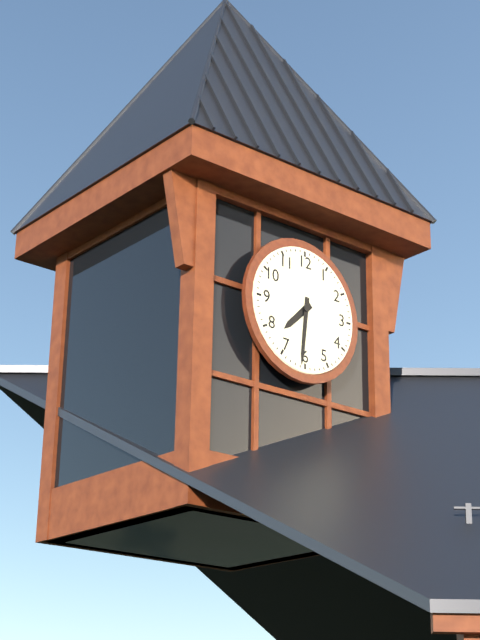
h=7 m=31
